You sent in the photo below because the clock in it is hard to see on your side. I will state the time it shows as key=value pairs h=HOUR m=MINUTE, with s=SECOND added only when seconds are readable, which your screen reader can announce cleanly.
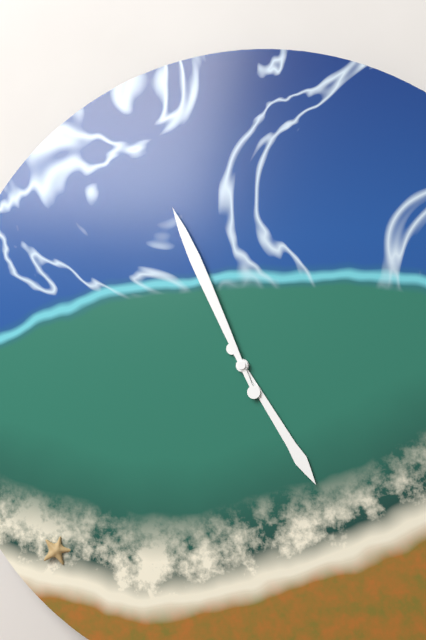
h=4 m=56
